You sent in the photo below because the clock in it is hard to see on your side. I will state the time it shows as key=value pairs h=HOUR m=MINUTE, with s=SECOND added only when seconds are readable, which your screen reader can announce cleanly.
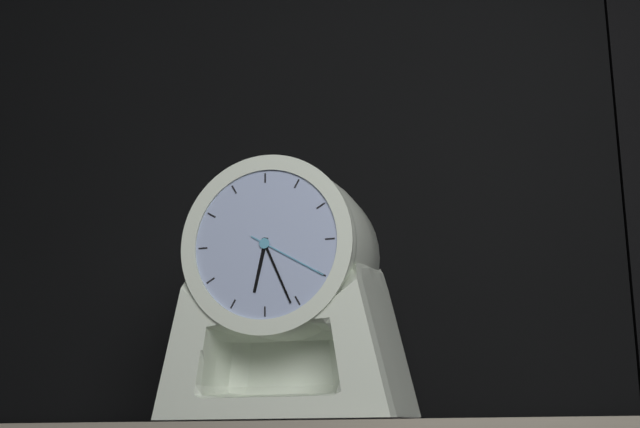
h=6 m=26 s=20
